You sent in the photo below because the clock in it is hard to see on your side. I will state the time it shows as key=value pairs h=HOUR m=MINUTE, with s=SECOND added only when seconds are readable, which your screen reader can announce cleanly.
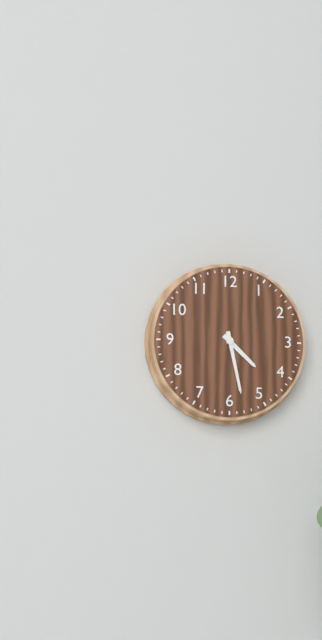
h=4 m=28
